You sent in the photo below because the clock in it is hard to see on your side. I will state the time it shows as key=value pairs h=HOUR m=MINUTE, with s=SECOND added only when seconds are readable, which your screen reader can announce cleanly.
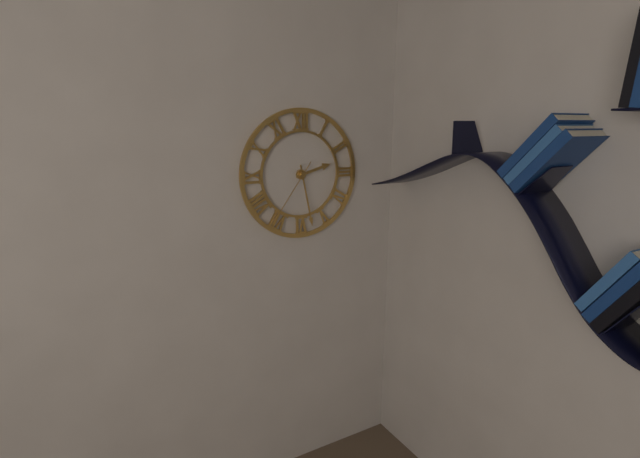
h=2 m=28 s=36
